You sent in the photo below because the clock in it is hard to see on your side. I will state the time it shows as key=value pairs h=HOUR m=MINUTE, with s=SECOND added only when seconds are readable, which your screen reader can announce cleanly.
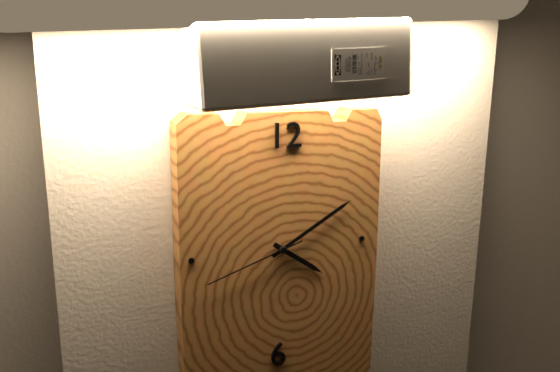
h=4 m=10 s=42
